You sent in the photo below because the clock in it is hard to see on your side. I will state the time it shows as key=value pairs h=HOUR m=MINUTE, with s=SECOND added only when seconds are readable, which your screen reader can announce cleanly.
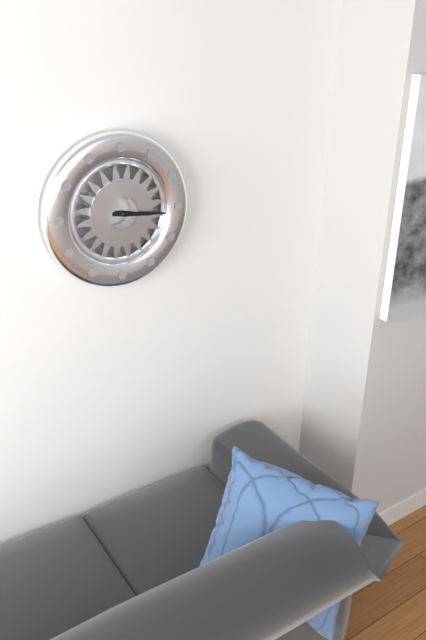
h=3 m=16
